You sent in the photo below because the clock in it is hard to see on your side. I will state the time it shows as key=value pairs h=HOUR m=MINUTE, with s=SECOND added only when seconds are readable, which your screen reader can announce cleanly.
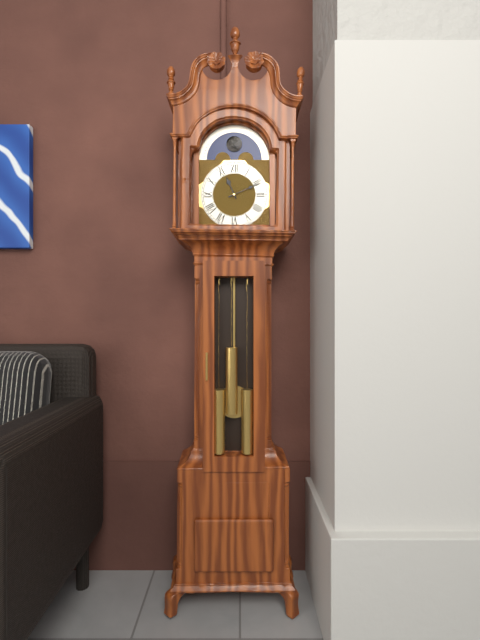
h=11 m=11
